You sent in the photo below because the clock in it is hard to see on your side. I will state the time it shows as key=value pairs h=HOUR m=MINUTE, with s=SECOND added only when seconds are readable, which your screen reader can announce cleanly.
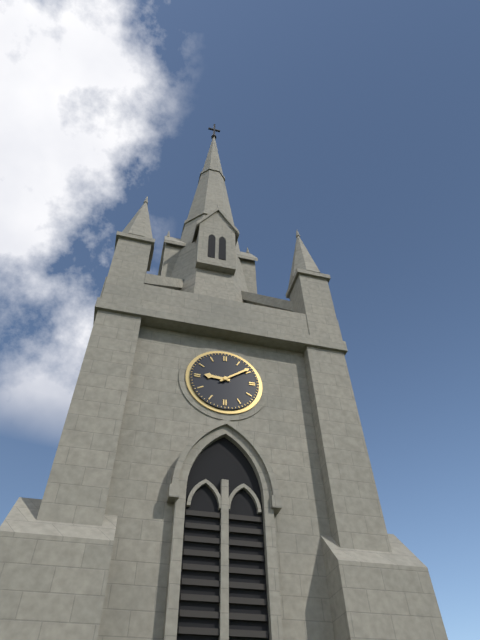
h=9 m=9
